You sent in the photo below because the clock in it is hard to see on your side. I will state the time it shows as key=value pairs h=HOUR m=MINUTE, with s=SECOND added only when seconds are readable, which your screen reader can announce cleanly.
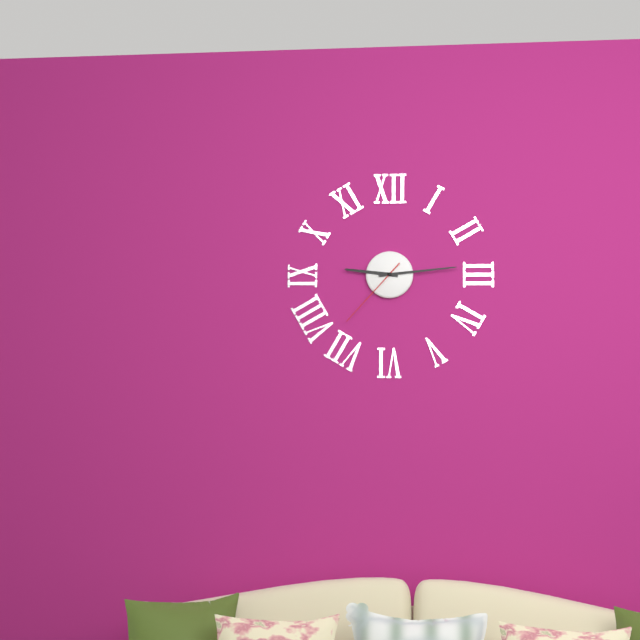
h=9 m=14 s=37
